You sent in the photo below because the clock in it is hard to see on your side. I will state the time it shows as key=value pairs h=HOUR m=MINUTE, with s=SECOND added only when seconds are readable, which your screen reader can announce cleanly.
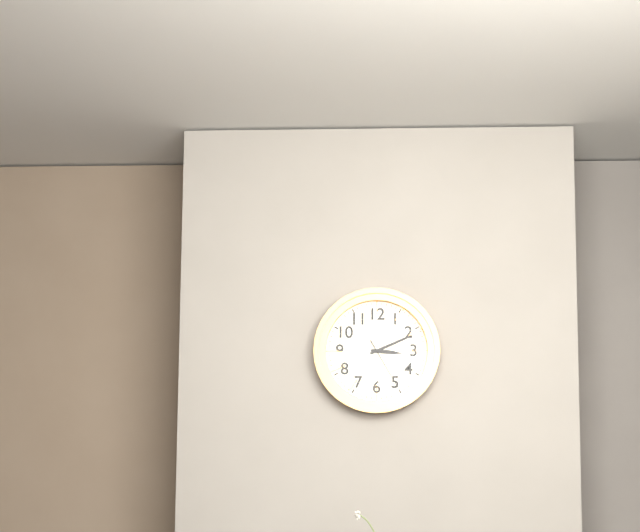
h=3 m=11 s=25
